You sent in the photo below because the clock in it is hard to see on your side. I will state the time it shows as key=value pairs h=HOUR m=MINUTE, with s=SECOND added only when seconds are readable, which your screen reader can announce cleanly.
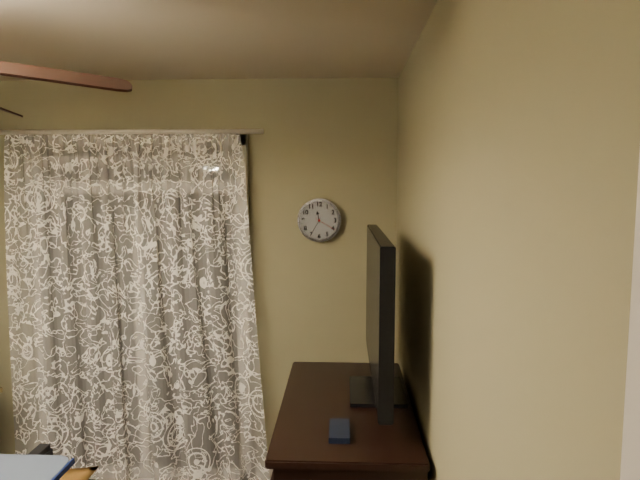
h=11 m=35
